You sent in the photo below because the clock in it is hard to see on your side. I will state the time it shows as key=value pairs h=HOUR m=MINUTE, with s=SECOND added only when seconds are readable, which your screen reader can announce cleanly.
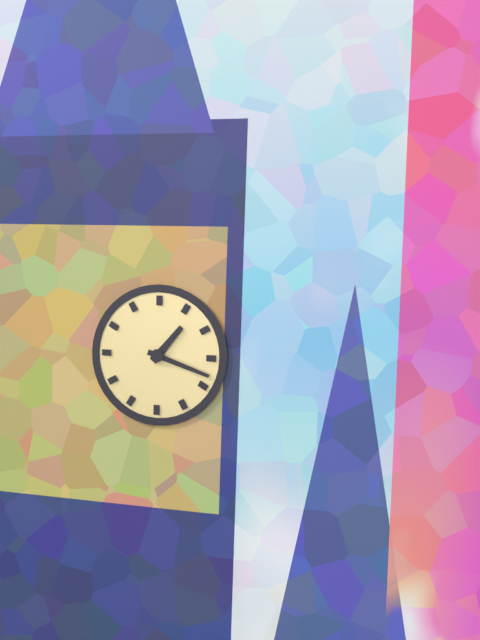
h=1 m=18
